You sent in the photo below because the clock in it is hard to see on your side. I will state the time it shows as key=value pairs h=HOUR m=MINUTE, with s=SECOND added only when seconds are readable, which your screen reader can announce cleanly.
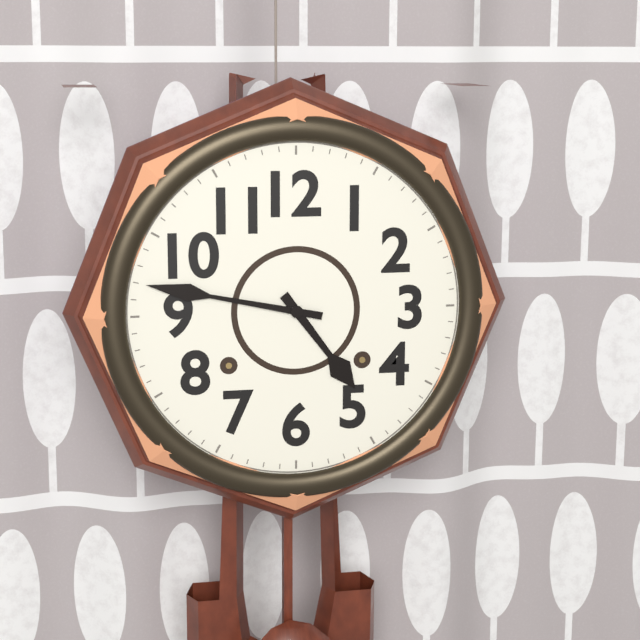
h=4 m=47
